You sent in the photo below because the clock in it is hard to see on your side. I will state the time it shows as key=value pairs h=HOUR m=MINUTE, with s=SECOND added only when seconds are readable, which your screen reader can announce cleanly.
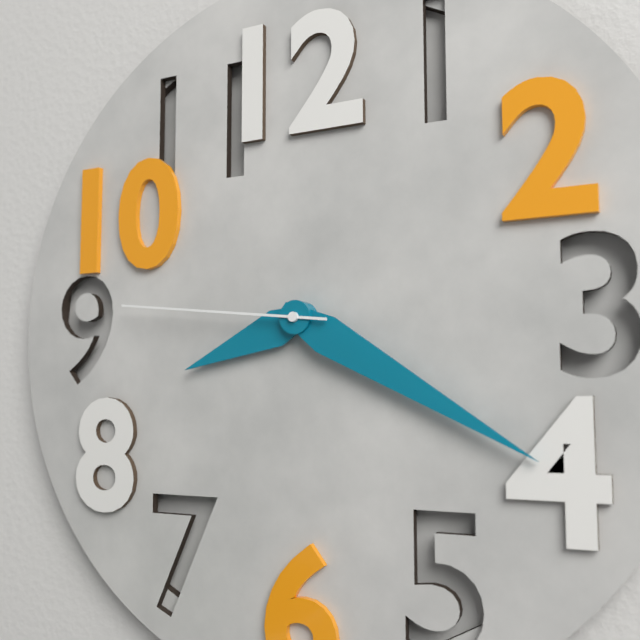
h=8 m=20 s=46
